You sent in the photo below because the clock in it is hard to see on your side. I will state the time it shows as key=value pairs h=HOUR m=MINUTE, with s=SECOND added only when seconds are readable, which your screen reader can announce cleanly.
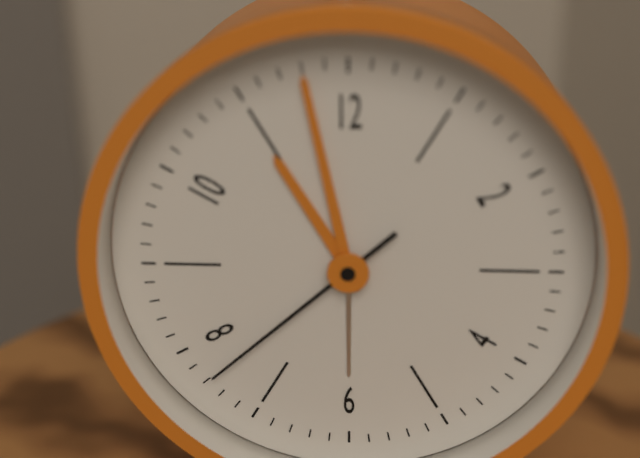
h=10 m=58 s=38
